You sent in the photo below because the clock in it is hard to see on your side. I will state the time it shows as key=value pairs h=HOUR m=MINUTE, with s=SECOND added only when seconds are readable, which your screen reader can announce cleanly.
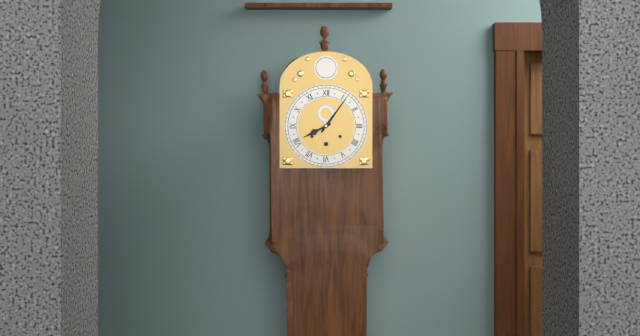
h=8 m=6
